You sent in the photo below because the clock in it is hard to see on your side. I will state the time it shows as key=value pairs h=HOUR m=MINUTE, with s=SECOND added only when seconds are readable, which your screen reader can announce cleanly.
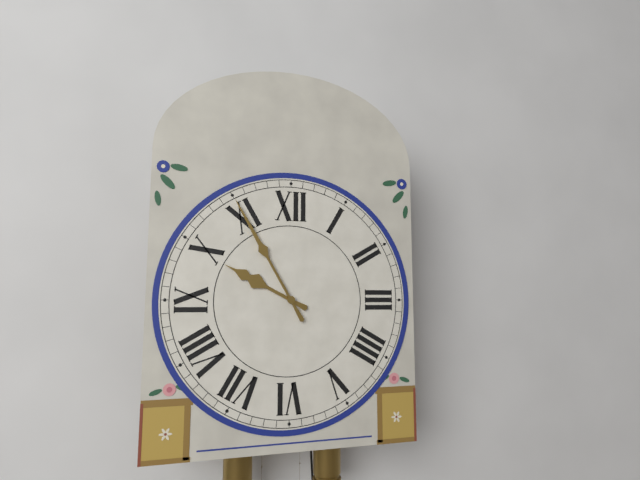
h=9 m=55
